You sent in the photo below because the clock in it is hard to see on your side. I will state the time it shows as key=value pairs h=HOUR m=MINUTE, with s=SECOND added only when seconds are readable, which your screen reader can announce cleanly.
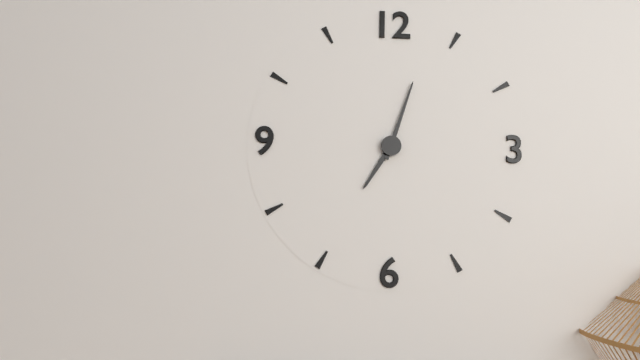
h=7 m=3
